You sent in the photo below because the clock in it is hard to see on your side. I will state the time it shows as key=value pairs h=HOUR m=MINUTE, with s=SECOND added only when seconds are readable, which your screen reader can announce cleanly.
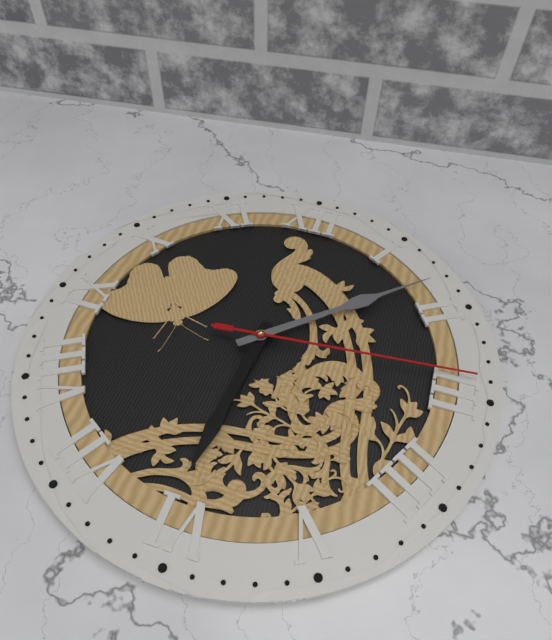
h=6 m=8 s=14
